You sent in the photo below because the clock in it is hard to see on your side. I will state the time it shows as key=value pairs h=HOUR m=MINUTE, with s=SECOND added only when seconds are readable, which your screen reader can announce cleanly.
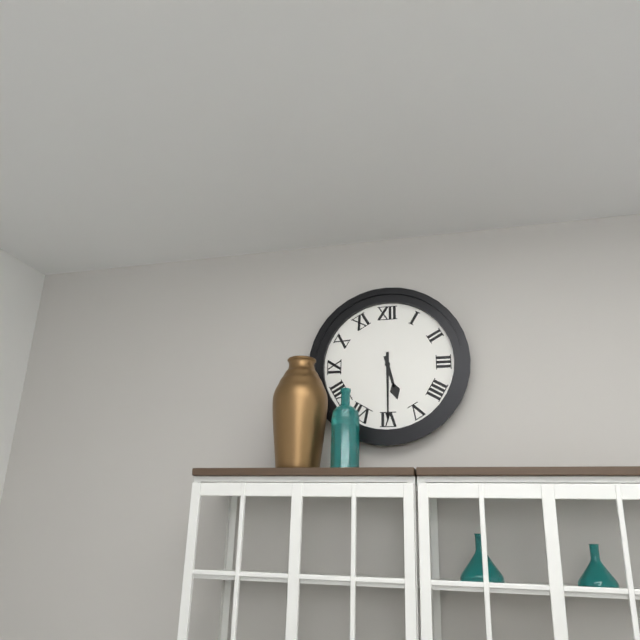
h=5 m=30
